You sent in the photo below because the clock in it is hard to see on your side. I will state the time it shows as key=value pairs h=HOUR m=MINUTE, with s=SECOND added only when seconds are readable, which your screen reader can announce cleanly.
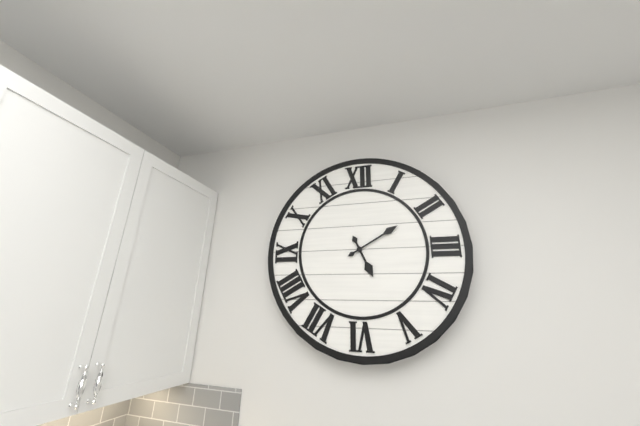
h=5 m=10
